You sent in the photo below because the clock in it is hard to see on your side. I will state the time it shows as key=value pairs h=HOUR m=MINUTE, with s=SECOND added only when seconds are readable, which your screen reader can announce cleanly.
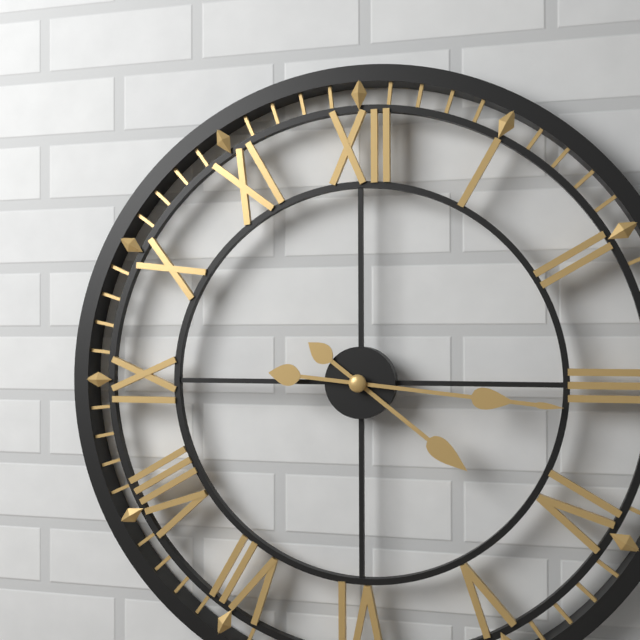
h=4 m=16
